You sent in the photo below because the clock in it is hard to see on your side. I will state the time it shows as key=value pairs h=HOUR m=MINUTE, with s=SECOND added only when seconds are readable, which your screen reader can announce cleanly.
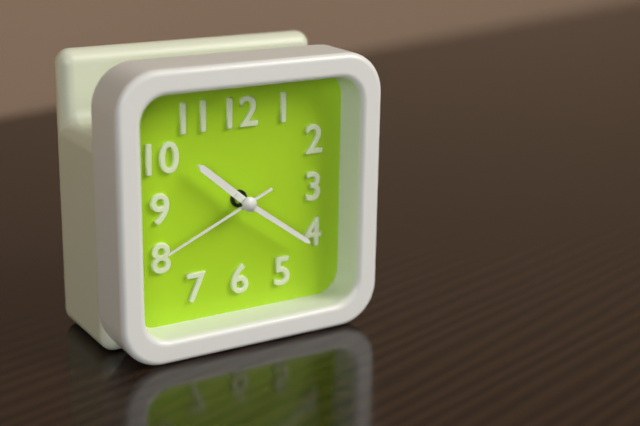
h=10 m=21 s=41
